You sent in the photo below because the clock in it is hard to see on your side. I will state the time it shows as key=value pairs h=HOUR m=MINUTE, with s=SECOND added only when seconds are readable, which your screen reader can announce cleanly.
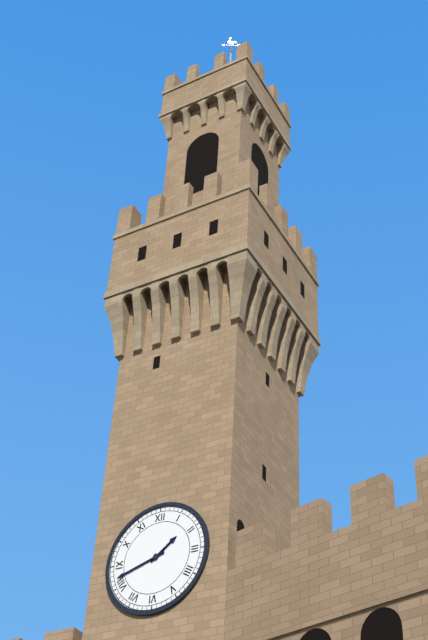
h=1 m=42
